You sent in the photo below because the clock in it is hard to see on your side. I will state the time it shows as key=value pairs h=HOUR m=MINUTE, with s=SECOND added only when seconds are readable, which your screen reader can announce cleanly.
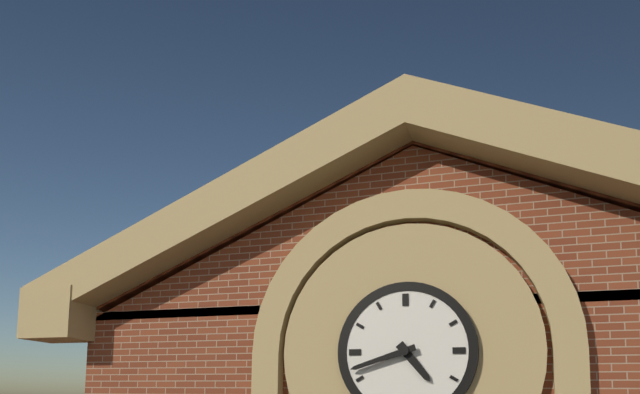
h=4 m=42
